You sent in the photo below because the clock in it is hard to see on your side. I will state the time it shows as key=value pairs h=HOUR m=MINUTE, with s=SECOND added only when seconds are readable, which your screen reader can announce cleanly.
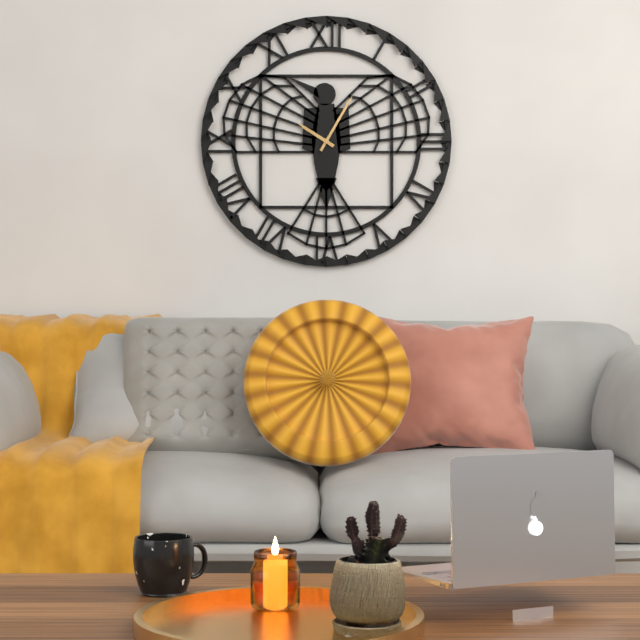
h=10 m=5
